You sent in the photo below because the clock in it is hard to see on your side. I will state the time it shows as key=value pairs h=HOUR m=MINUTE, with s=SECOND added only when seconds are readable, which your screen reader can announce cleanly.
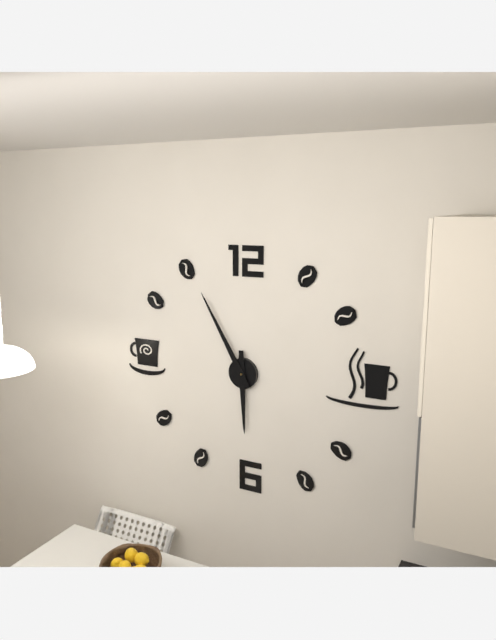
h=5 m=55
